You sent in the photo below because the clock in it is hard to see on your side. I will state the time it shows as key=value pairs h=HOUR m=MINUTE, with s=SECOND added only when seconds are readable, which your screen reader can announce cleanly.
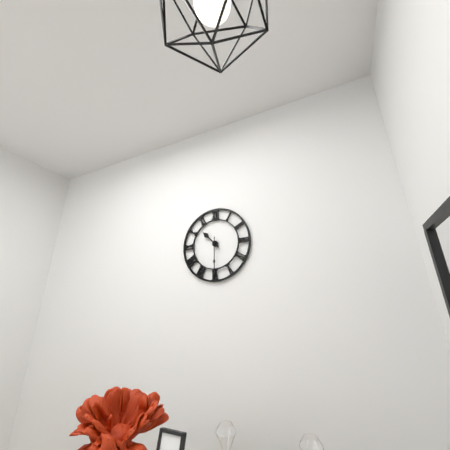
h=10 m=30
